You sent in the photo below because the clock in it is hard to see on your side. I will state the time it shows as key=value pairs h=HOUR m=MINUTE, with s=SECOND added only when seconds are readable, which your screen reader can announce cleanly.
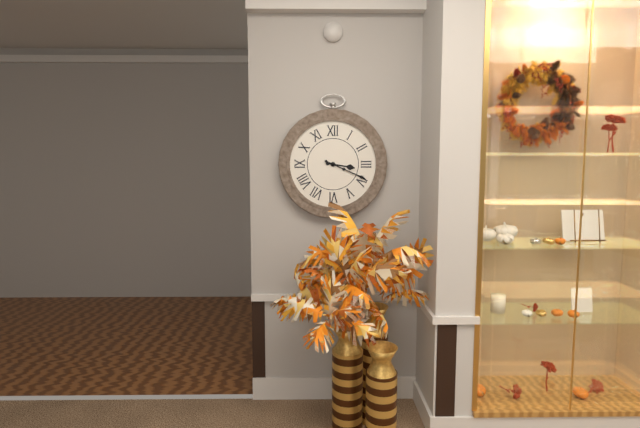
h=3 m=19
